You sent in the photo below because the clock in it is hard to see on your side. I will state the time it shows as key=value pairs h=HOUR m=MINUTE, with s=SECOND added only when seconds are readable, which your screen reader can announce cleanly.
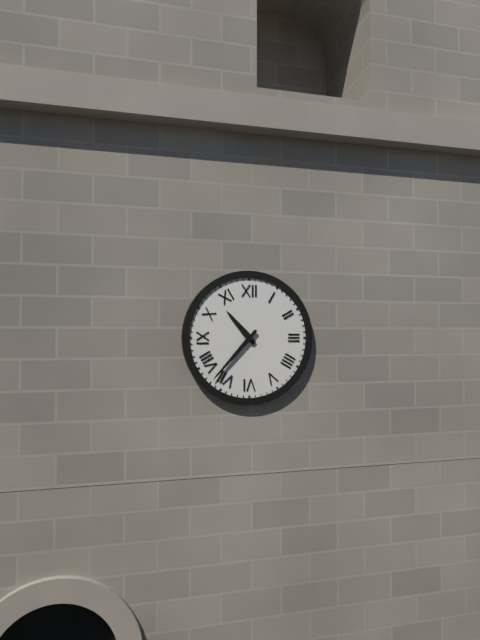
h=10 m=37
